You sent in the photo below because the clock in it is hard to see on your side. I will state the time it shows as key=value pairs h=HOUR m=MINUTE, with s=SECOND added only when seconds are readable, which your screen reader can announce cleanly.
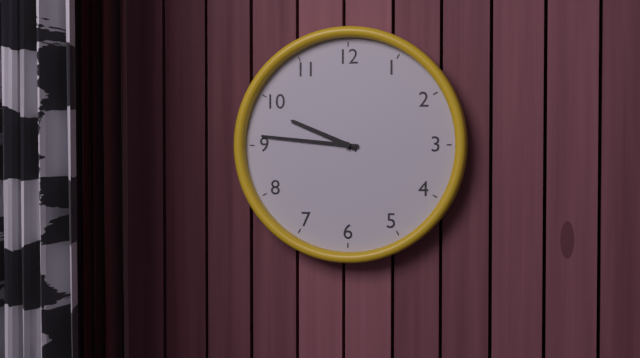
h=9 m=46
